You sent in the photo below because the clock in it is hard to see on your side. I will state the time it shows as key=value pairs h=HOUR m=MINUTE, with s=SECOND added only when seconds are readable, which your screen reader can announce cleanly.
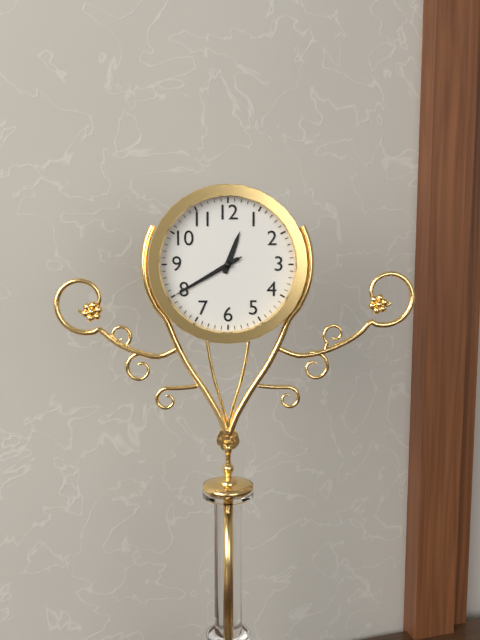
h=12 m=40 s=40
